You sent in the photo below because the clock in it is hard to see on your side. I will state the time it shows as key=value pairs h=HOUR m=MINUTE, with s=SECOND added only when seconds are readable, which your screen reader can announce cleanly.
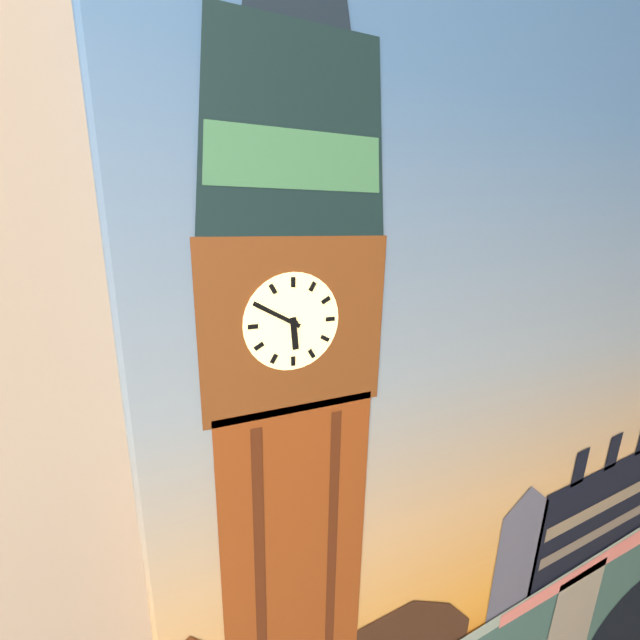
h=5 m=50
